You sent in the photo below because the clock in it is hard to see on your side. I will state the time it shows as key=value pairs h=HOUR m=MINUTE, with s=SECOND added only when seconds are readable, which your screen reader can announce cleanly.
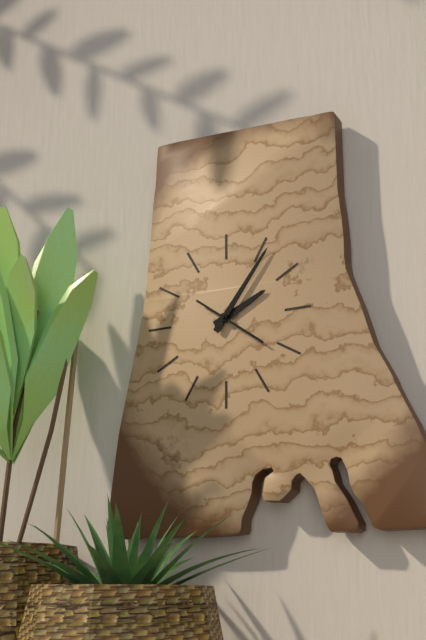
h=2 m=6 s=21
